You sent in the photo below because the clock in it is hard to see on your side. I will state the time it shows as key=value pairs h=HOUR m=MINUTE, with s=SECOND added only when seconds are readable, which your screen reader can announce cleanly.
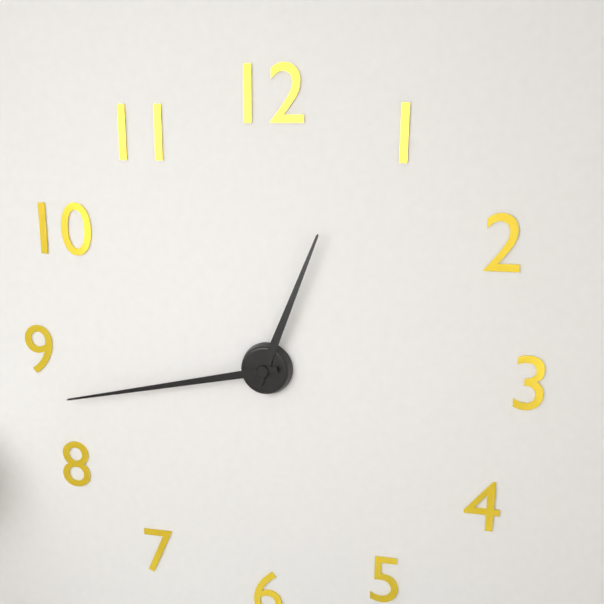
h=12 m=43
